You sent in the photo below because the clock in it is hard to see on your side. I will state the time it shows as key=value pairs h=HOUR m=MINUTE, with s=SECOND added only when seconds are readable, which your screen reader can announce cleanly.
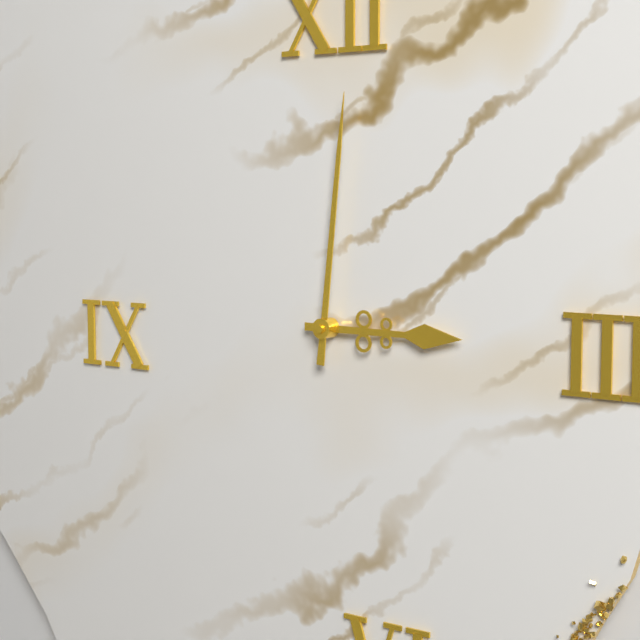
h=3 m=1
